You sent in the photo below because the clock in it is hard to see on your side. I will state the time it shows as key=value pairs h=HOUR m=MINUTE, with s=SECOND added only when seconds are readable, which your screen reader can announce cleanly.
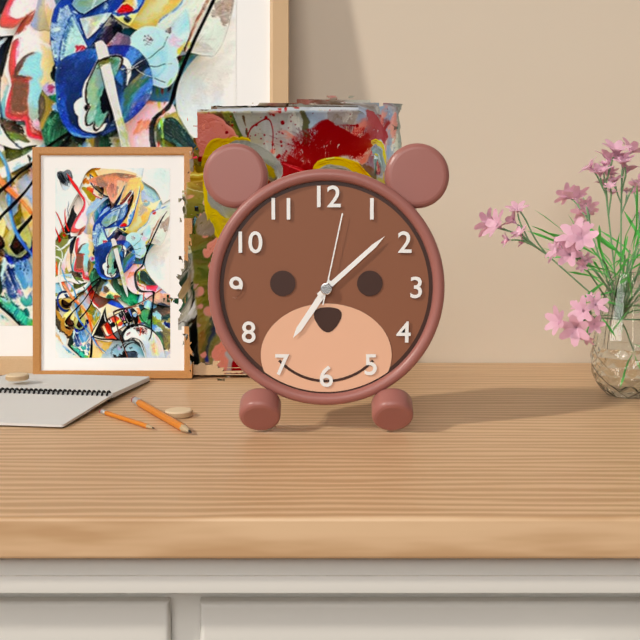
h=7 m=8 s=2
